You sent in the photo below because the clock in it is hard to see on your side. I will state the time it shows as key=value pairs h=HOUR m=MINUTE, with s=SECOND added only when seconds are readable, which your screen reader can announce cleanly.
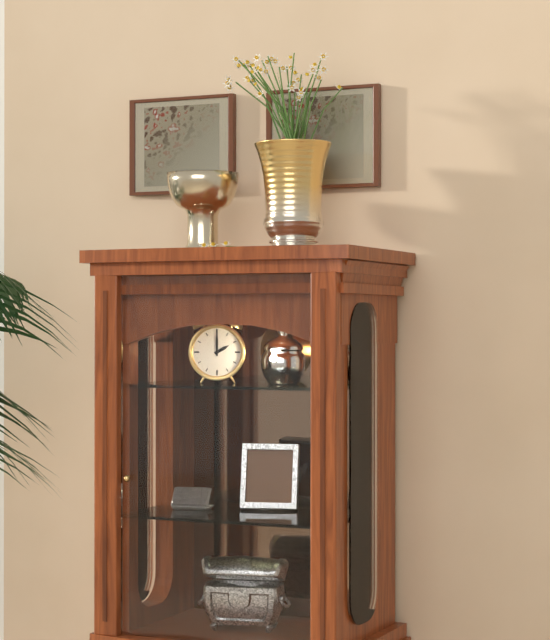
h=2 m=0
